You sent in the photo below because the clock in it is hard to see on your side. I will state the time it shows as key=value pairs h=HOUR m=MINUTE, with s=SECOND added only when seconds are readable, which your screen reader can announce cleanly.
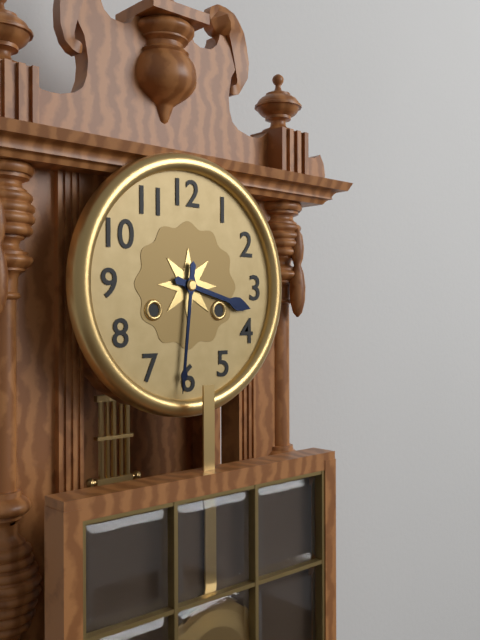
h=3 m=31
